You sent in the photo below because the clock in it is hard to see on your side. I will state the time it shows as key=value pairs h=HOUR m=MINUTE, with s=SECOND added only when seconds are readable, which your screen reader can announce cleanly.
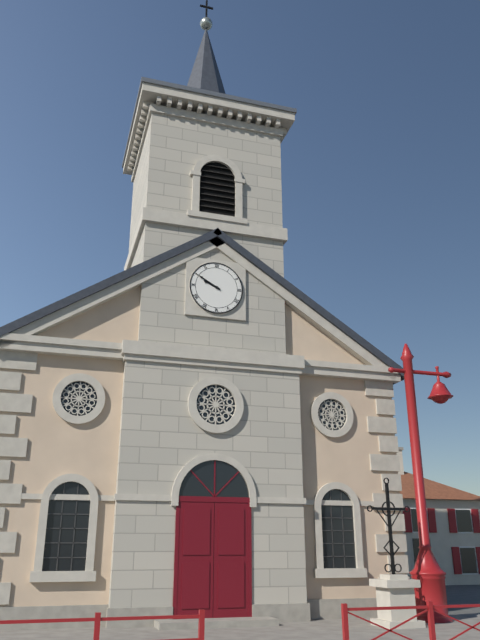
h=9 m=50
